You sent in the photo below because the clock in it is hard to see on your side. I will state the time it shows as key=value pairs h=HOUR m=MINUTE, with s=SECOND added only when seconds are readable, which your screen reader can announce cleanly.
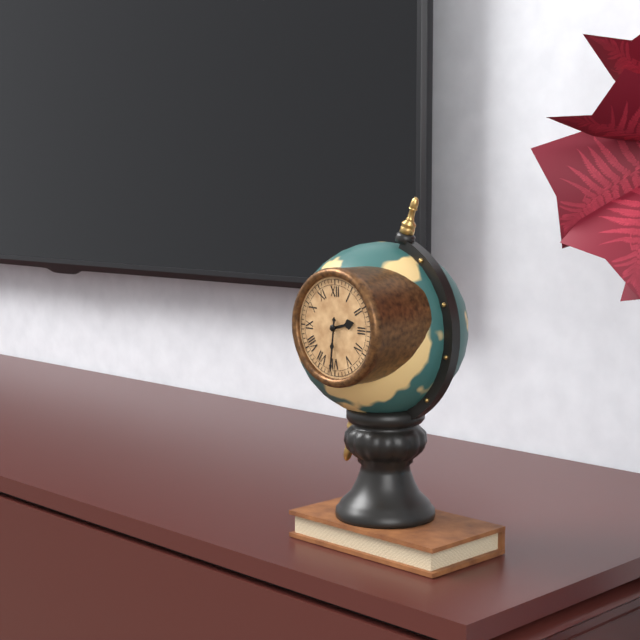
h=2 m=31
